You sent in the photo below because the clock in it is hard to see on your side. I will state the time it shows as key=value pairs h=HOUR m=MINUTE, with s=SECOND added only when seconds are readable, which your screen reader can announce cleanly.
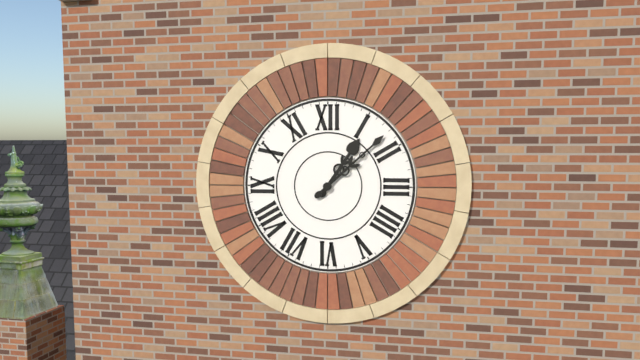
h=1 m=8
